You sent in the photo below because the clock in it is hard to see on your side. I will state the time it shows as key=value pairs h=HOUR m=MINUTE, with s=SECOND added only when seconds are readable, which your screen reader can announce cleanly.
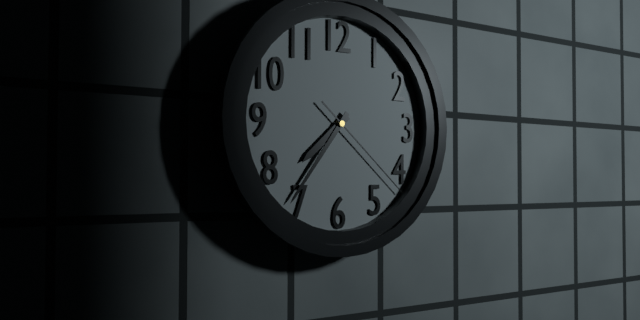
h=7 m=36 s=22
